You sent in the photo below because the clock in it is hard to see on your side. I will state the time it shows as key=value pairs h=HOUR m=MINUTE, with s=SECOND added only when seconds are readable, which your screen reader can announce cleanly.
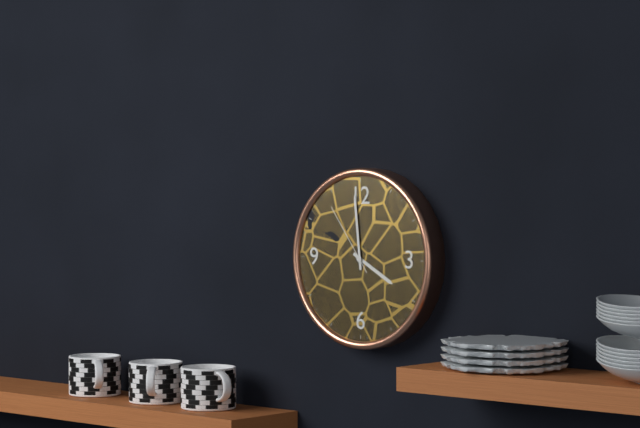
h=3 m=59 s=54
